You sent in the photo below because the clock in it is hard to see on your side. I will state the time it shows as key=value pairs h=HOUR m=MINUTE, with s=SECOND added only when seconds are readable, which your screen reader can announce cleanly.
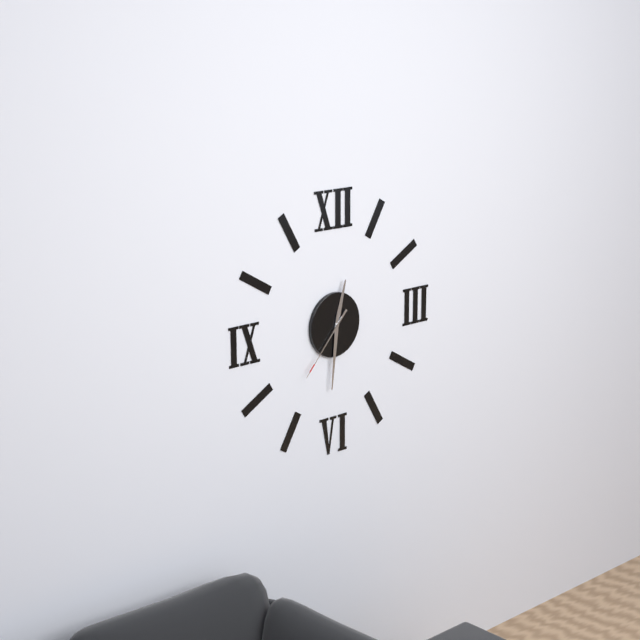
h=12 m=31 s=37
